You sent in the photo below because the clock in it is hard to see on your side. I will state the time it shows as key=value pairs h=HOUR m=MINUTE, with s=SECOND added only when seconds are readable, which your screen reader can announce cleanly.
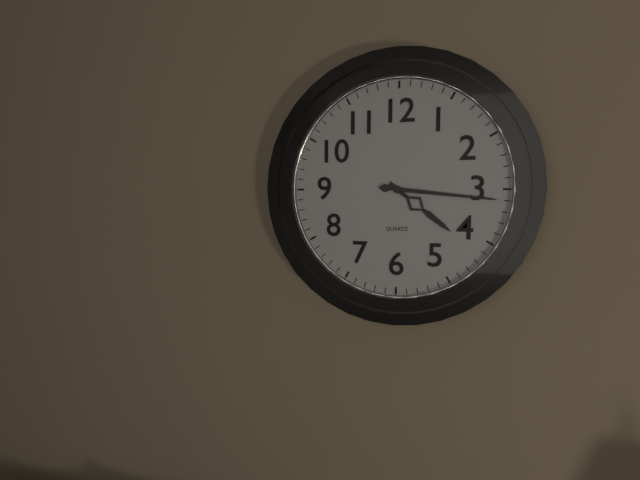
h=4 m=16
